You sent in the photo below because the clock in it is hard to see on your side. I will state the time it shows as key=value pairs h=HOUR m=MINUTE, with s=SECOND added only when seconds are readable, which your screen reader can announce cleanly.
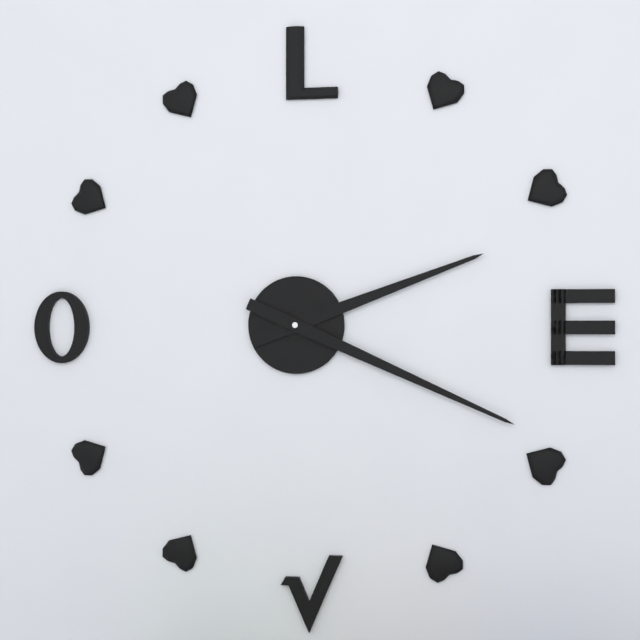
h=2 m=19
